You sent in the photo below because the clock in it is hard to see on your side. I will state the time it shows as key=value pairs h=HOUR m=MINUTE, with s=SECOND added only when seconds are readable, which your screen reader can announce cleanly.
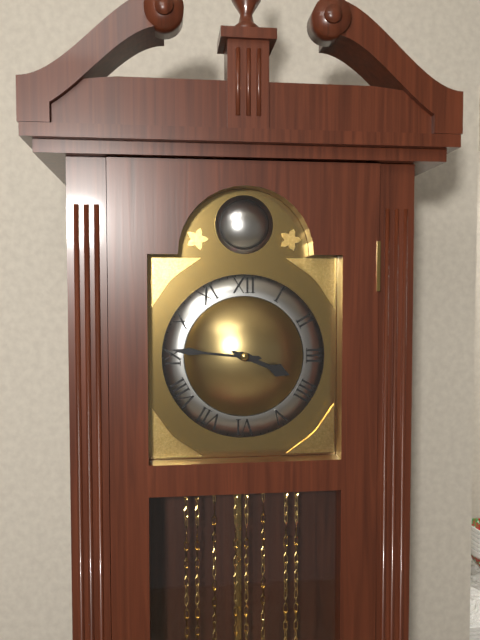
h=3 m=46
